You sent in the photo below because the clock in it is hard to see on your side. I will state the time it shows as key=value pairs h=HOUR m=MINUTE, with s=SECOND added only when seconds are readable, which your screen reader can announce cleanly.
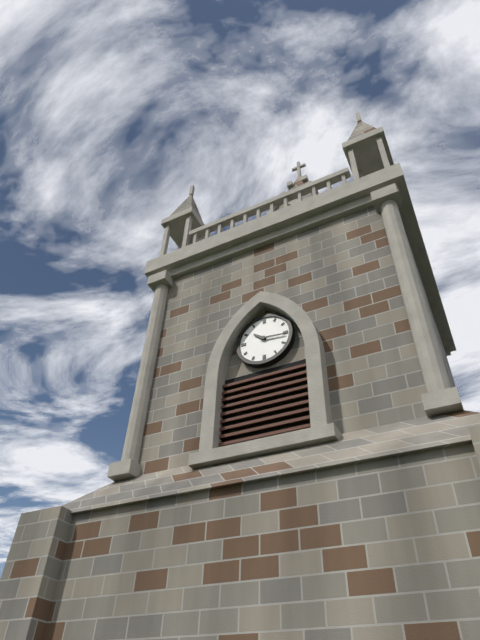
h=10 m=16
